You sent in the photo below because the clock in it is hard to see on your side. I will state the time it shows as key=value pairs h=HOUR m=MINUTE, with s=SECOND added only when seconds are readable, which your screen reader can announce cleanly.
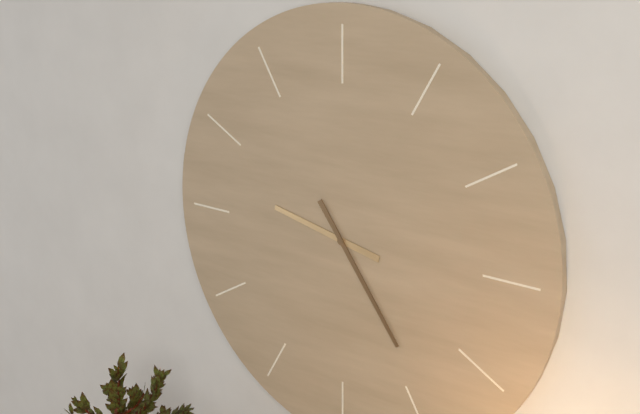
h=9 m=24
